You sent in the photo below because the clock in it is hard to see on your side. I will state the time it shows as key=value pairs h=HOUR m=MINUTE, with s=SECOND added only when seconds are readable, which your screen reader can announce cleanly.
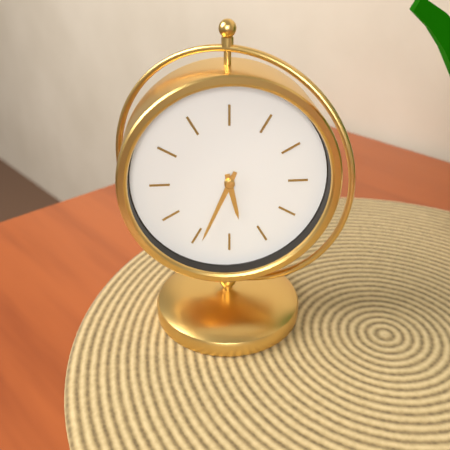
h=5 m=34
